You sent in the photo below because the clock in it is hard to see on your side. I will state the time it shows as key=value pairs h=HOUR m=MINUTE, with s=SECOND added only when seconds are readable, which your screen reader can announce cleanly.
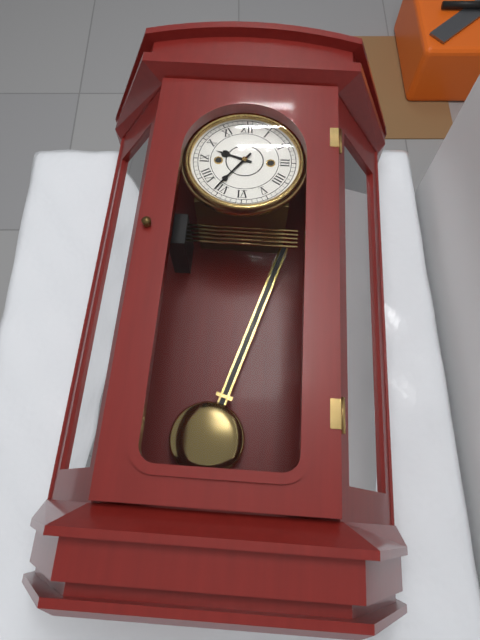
h=9 m=36
